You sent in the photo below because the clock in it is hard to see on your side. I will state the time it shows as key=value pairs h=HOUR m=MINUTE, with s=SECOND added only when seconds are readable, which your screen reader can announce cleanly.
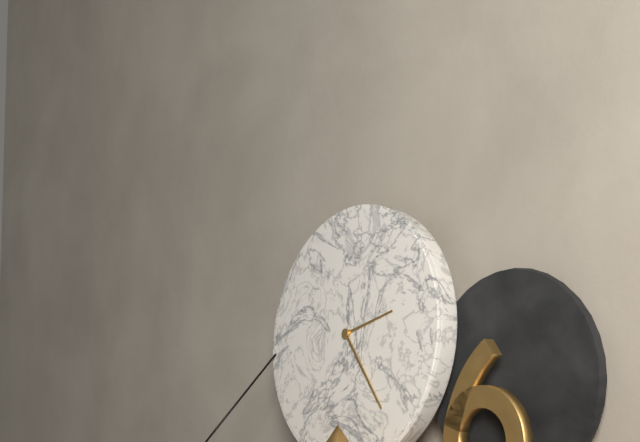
h=2 m=23
